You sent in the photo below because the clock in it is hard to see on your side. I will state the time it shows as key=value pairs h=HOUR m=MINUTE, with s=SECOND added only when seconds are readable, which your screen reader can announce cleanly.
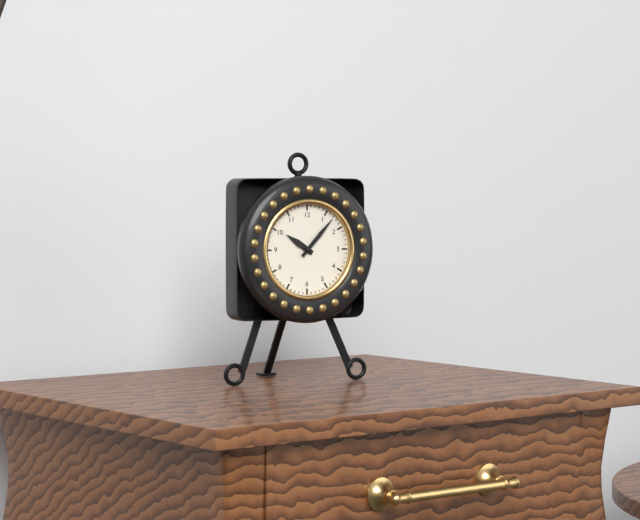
h=10 m=7
